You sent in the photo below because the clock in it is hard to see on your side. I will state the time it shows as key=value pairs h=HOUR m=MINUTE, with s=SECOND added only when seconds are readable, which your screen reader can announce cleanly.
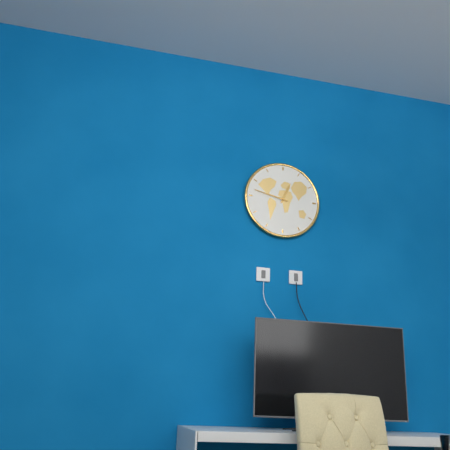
h=12 m=47
